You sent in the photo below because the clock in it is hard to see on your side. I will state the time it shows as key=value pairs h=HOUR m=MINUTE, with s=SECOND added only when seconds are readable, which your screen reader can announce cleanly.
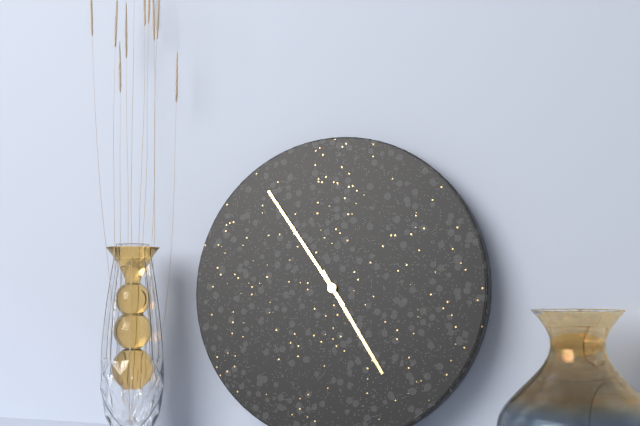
h=4 m=54
